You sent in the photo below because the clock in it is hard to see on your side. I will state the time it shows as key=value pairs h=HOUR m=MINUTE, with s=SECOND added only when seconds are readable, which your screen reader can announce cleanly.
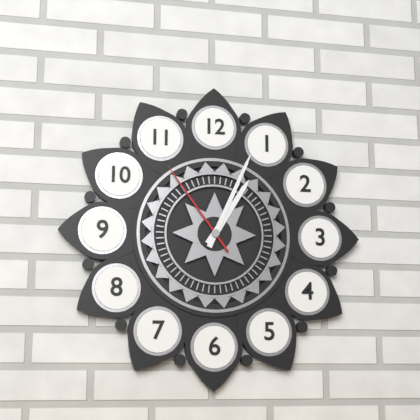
h=1 m=4 s=54
